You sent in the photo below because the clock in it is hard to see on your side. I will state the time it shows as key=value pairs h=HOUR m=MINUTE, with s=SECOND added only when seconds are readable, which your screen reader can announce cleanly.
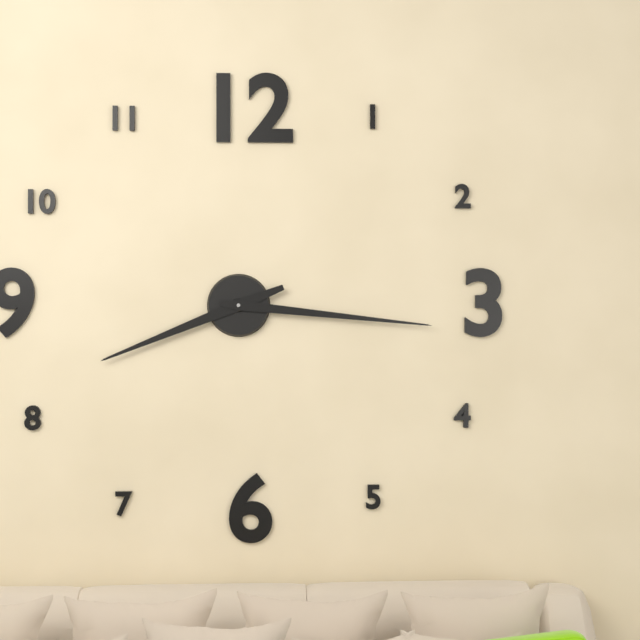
h=8 m=16
